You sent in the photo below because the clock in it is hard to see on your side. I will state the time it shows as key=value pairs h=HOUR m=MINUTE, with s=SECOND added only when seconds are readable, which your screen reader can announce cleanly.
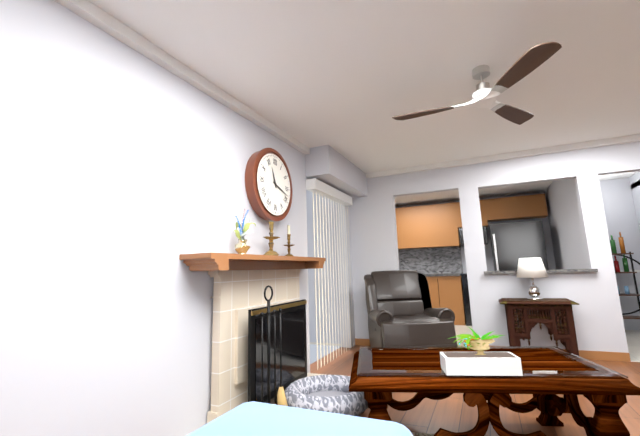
h=11 m=18
